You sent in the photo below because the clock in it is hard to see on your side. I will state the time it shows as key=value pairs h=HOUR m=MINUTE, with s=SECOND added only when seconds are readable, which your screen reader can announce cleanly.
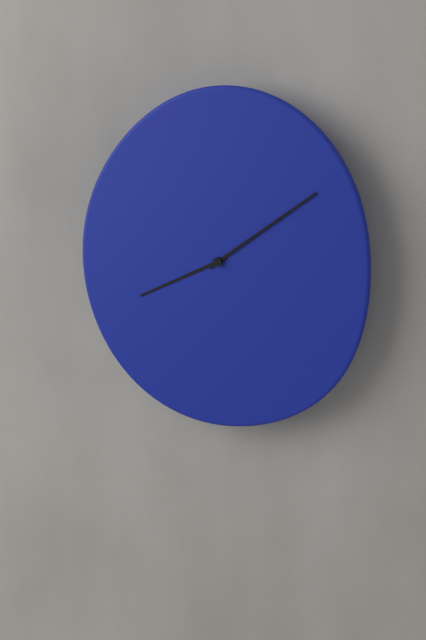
h=8 m=9
